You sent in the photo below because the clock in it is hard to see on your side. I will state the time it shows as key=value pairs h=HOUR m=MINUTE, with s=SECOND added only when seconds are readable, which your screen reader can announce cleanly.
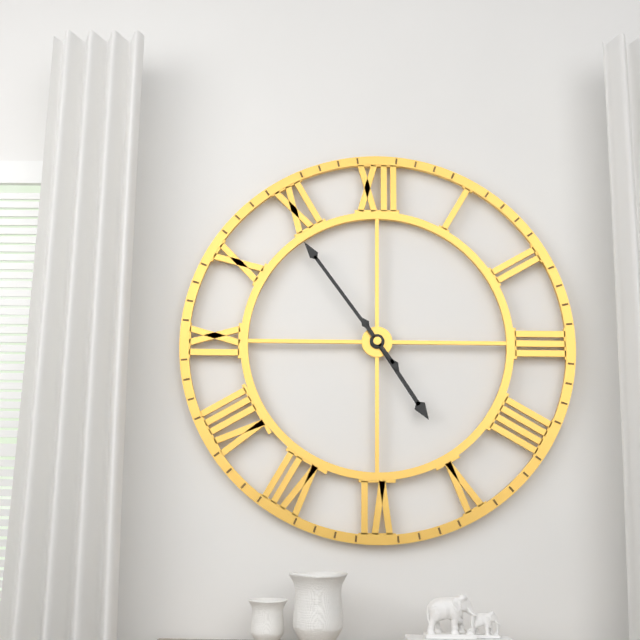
h=4 m=54
